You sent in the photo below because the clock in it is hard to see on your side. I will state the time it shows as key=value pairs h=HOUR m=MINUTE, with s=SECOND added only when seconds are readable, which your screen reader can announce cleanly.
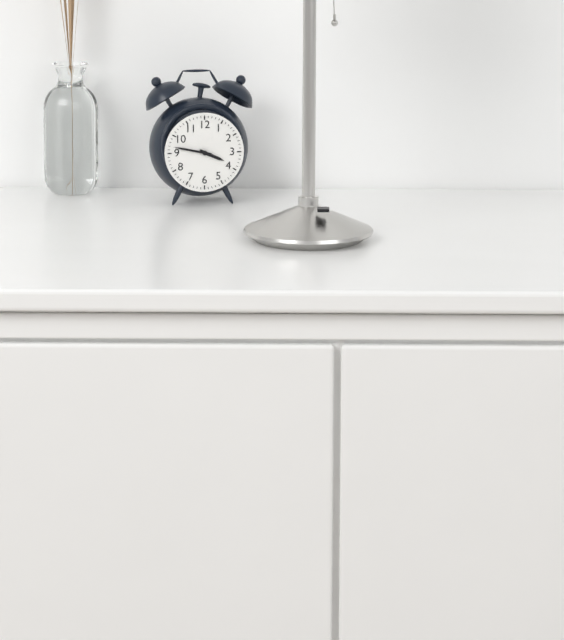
h=3 m=47
